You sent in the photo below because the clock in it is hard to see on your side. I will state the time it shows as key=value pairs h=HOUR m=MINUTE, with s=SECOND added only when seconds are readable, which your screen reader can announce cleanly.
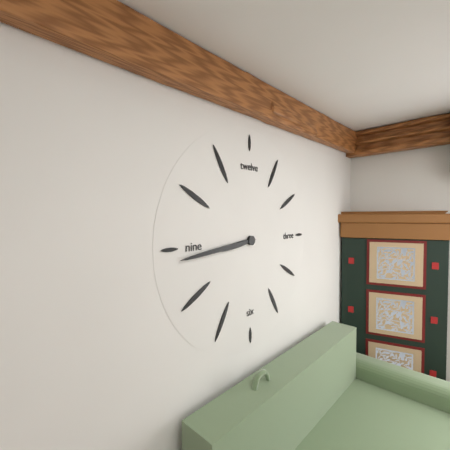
h=8 m=44
